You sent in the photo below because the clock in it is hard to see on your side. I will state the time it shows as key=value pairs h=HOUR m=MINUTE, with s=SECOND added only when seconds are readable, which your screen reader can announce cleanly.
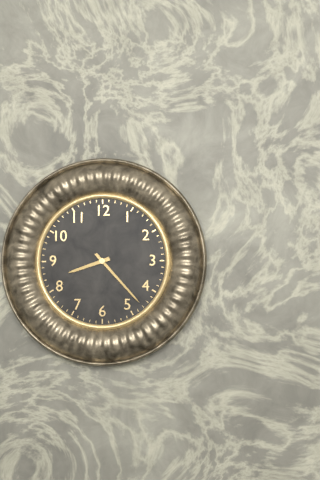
h=8 m=23
